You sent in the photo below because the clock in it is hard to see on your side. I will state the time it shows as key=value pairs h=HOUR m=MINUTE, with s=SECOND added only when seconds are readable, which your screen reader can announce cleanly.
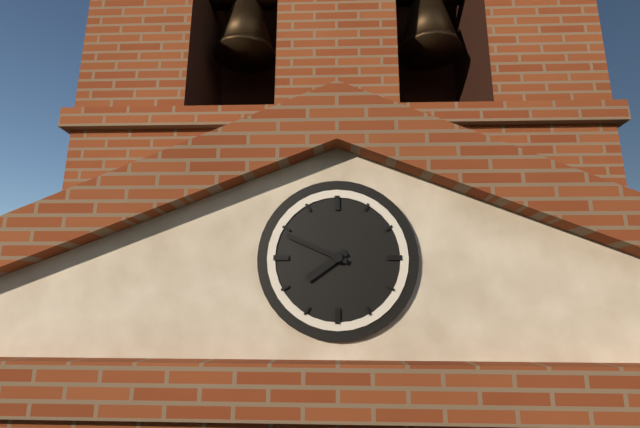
h=7 m=49
